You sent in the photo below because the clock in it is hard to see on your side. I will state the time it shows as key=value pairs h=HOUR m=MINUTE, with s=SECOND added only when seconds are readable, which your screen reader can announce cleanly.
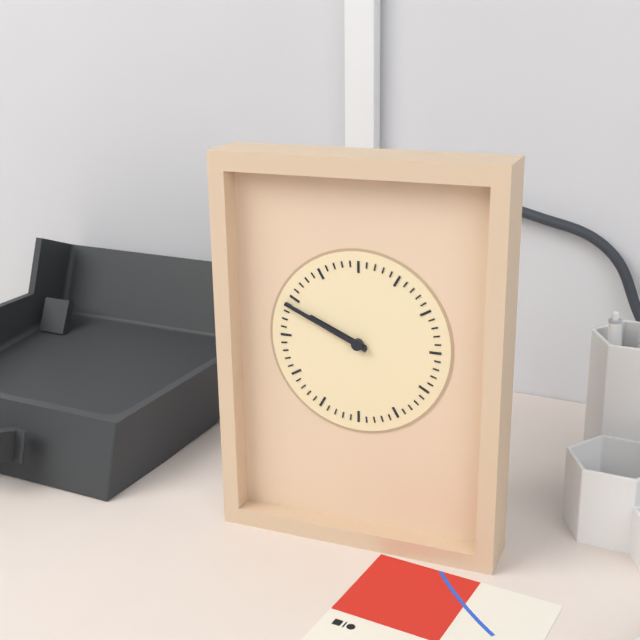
h=9 m=49
